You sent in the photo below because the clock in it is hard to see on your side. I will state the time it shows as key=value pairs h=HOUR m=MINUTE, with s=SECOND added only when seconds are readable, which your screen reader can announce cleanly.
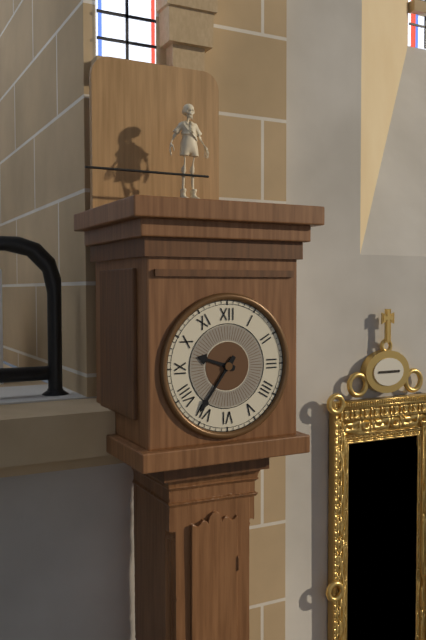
h=9 m=36
